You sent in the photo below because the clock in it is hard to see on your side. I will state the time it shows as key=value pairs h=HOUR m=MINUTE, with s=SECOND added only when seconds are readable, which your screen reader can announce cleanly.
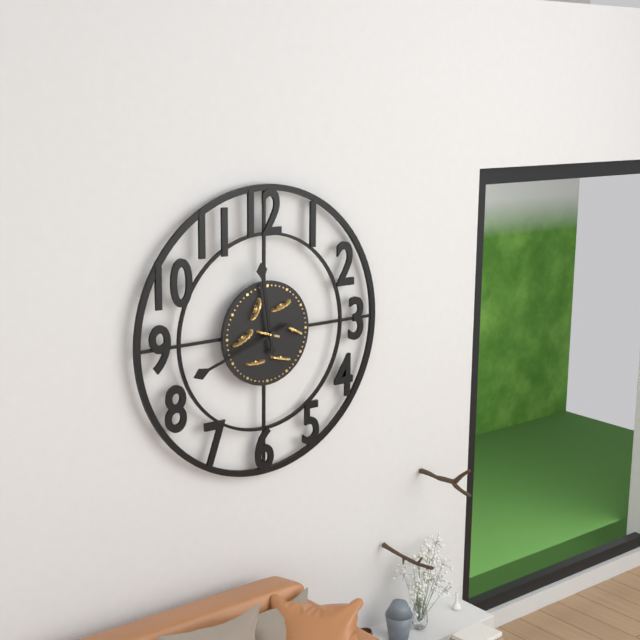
h=11 m=42
